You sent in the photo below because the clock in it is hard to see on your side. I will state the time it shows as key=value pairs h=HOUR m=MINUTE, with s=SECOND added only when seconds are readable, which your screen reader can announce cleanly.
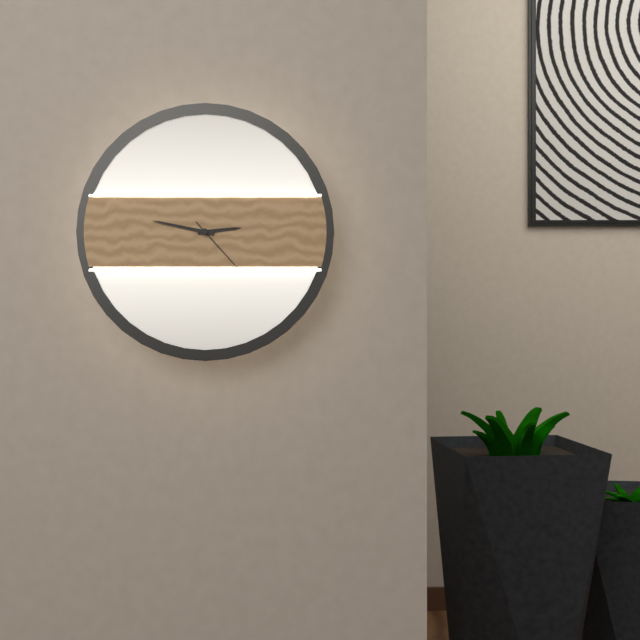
h=2 m=47 s=23
